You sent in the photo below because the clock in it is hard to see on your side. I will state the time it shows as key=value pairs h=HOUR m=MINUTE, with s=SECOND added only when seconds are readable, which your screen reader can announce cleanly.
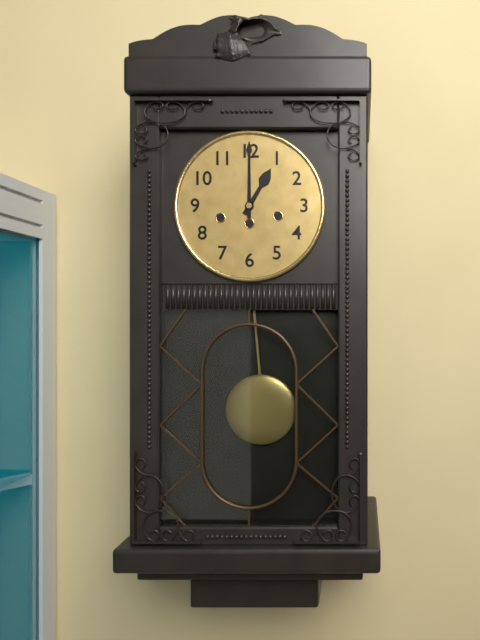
h=1 m=0
